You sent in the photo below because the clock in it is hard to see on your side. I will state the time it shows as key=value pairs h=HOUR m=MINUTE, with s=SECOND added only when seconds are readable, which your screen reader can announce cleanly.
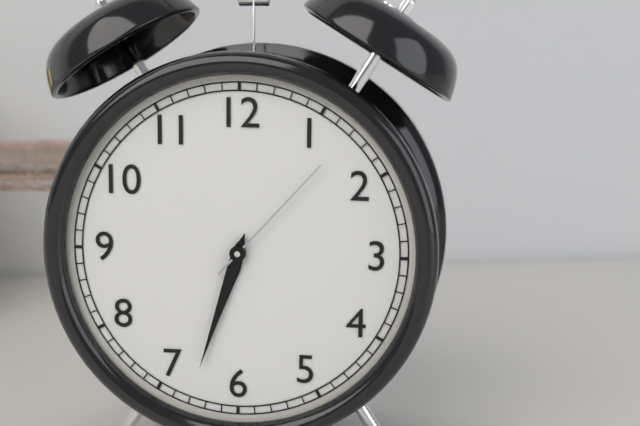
h=6 m=33 s=7
